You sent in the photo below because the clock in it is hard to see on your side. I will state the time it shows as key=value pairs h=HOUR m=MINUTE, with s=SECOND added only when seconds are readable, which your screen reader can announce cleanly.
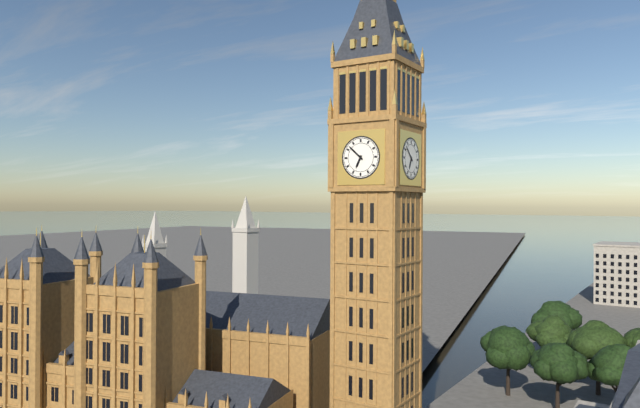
h=6 m=52
